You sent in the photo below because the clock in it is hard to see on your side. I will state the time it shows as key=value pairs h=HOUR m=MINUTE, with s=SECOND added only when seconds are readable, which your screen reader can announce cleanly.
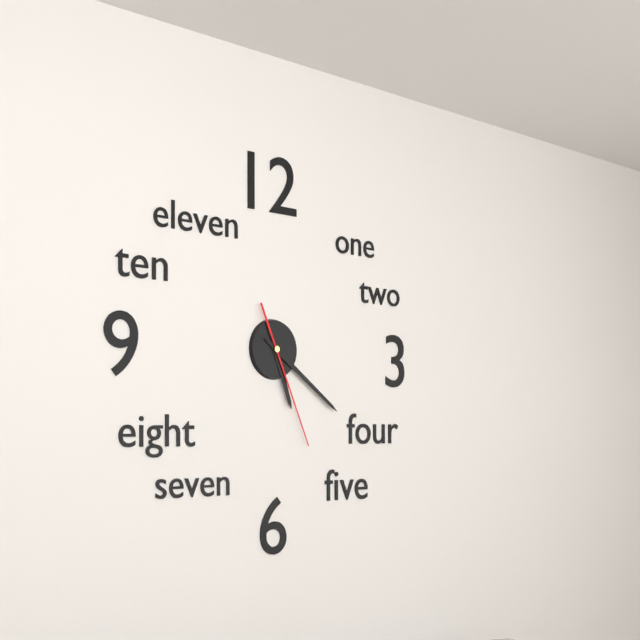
h=5 m=21 s=26
